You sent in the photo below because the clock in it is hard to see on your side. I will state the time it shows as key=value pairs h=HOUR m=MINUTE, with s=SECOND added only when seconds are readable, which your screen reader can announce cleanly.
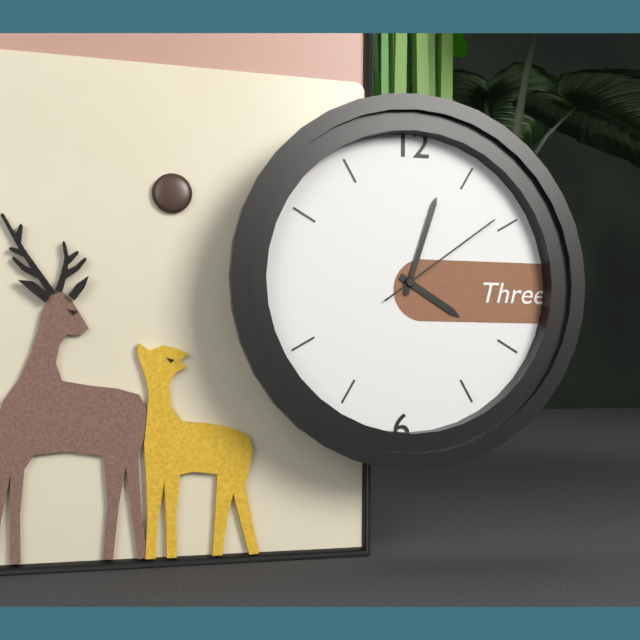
h=4 m=3 s=9
